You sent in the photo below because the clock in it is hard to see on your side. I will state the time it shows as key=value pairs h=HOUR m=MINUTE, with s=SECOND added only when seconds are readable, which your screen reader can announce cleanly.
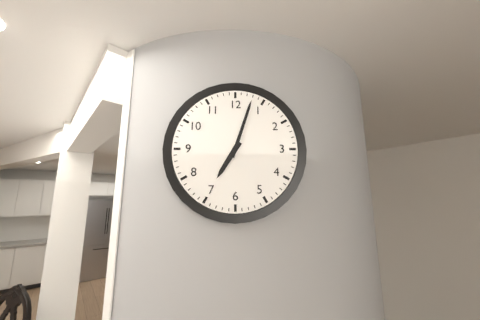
h=7 m=3
